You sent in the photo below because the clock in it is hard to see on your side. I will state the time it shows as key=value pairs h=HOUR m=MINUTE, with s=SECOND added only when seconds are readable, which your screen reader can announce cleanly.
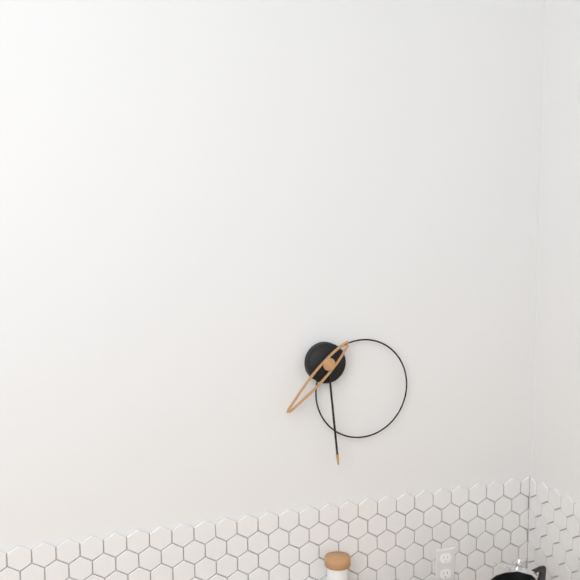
h=7 m=29
